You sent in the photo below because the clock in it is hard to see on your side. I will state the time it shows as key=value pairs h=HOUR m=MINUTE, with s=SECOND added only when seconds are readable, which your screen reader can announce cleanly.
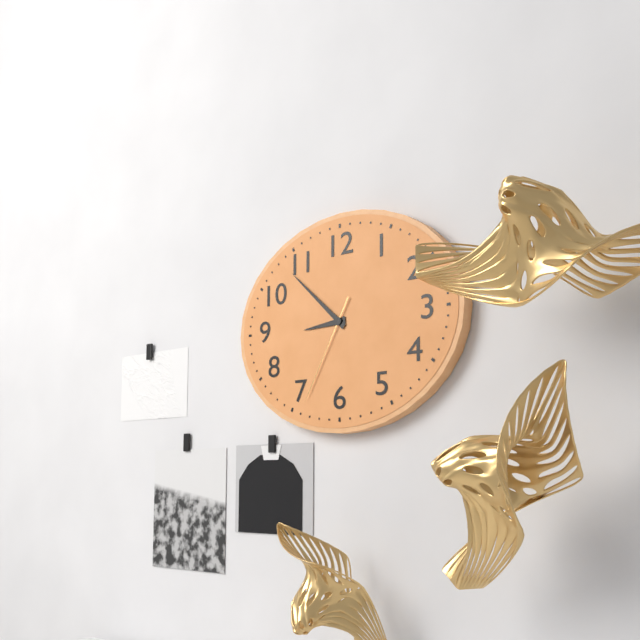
h=8 m=52 s=35
